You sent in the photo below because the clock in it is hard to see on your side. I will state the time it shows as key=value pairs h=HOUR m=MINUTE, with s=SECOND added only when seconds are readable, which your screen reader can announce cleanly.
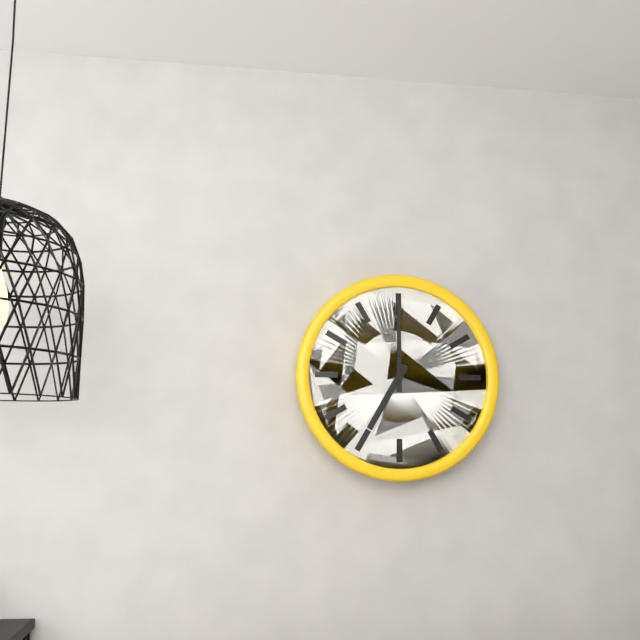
h=7 m=0
